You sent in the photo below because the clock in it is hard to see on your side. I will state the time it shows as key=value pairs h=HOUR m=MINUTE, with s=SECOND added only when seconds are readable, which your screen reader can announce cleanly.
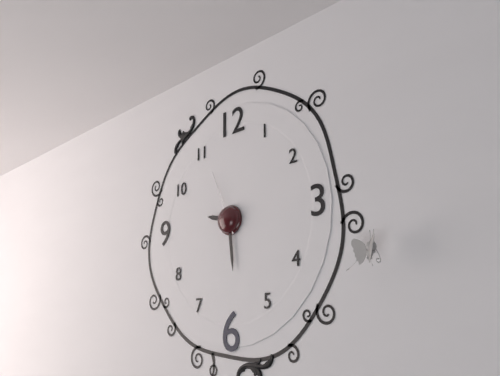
h=9 m=29 s=56
